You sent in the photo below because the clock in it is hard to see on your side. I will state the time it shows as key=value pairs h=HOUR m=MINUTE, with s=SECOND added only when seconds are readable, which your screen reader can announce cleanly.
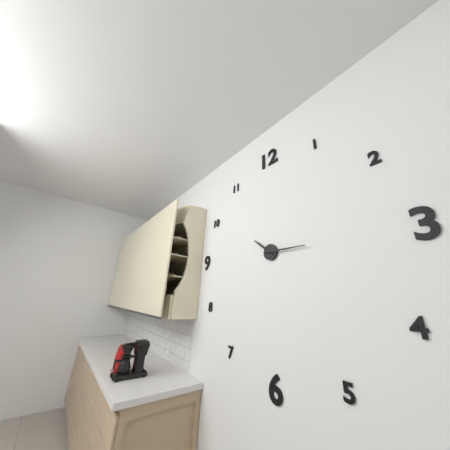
h=10 m=15
